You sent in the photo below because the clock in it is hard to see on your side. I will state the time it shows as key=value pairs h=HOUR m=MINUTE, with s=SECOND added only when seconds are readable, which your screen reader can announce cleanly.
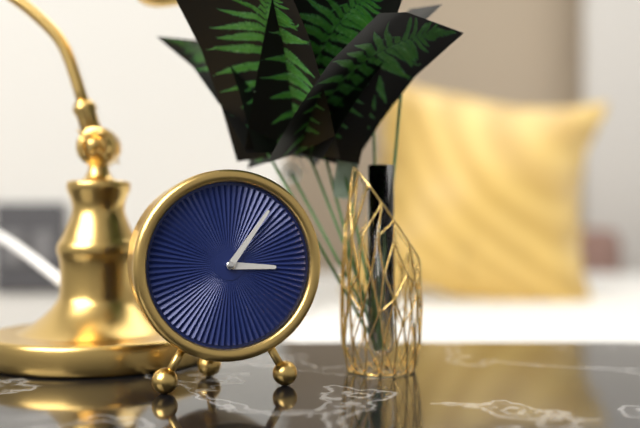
h=3 m=6
